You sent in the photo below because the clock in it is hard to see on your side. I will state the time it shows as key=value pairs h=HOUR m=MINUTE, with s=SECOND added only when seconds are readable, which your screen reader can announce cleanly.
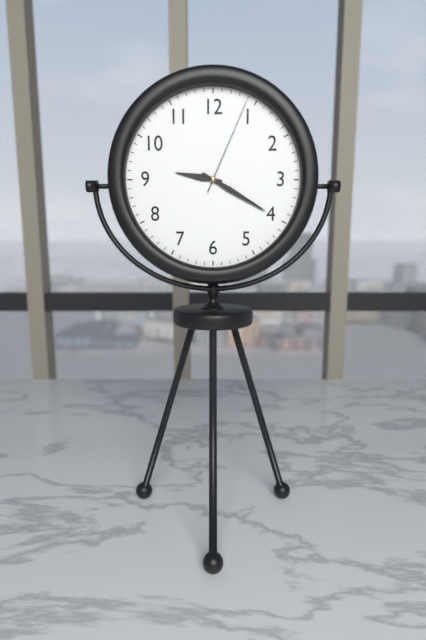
h=9 m=20 s=4
